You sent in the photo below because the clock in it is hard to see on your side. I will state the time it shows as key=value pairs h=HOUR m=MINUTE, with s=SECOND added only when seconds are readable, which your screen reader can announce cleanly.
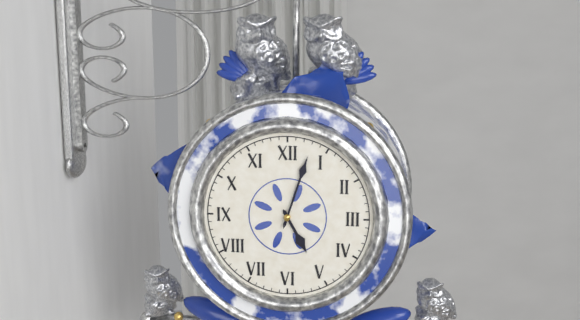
h=5 m=3
